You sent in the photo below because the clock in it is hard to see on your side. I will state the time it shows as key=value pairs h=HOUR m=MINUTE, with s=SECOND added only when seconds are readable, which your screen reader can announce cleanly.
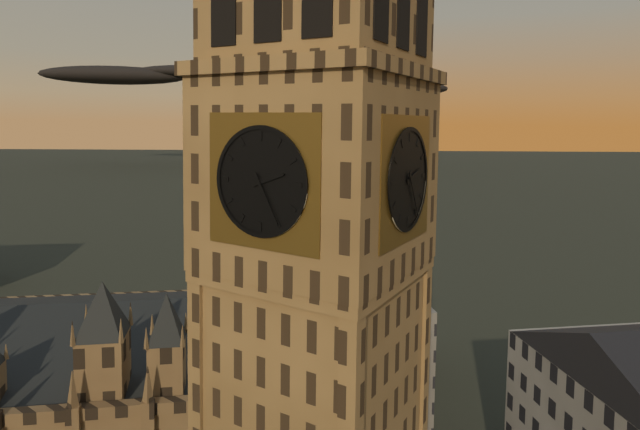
h=2 m=25
